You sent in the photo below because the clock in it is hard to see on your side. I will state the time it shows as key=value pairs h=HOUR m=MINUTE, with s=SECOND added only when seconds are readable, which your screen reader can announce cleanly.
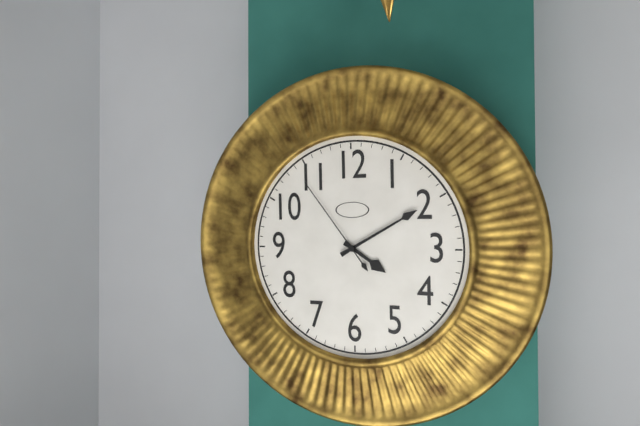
h=4 m=10 s=54
